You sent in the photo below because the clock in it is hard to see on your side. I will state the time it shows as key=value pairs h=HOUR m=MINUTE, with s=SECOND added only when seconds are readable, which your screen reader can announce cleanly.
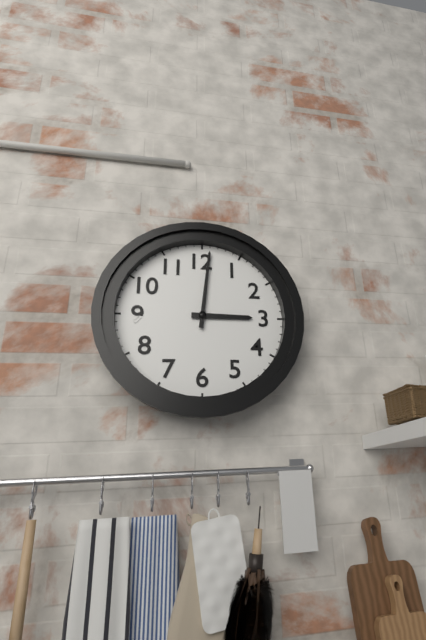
h=3 m=1
